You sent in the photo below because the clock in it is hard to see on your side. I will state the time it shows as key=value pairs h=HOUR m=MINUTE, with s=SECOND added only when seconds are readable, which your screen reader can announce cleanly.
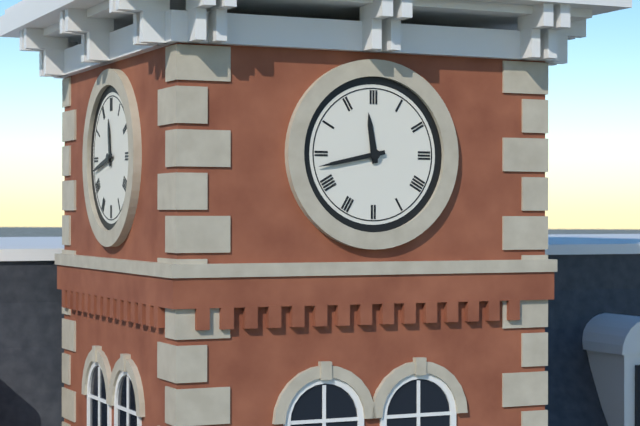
h=11 m=43
